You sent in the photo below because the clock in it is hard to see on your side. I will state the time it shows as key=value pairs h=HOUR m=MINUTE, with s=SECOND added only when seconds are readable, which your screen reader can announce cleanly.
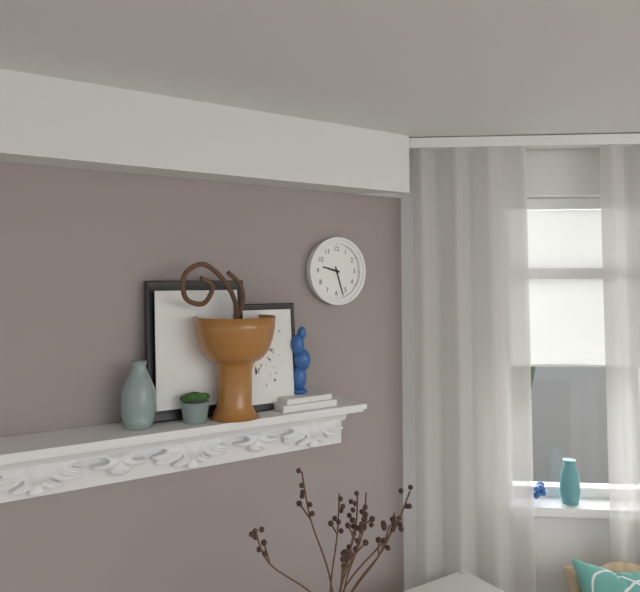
h=9 m=27
